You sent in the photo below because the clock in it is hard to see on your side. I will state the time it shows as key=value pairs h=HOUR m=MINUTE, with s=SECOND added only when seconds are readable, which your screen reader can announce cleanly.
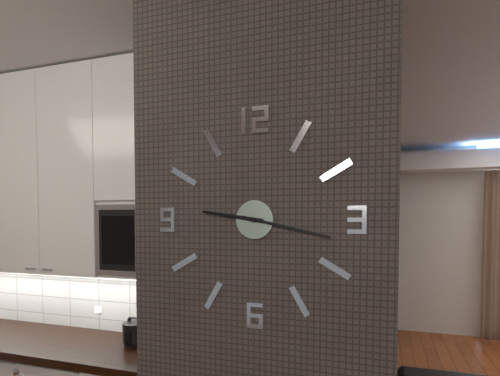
h=9 m=17
